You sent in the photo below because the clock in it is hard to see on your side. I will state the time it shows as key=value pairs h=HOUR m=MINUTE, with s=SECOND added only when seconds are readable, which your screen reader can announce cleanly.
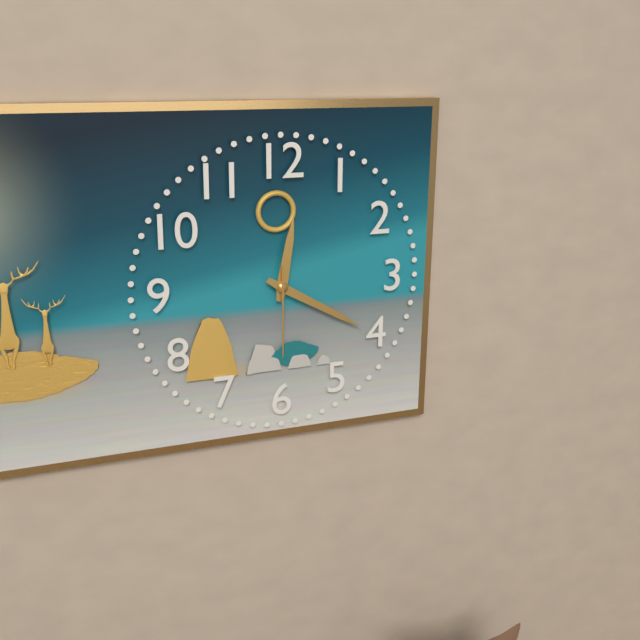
h=12 m=20 s=30
